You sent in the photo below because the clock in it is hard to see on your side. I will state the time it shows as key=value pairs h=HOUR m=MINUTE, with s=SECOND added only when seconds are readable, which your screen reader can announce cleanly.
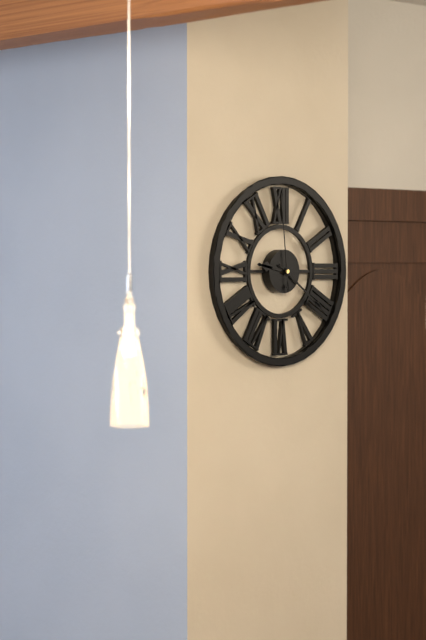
h=9 m=21 s=59
